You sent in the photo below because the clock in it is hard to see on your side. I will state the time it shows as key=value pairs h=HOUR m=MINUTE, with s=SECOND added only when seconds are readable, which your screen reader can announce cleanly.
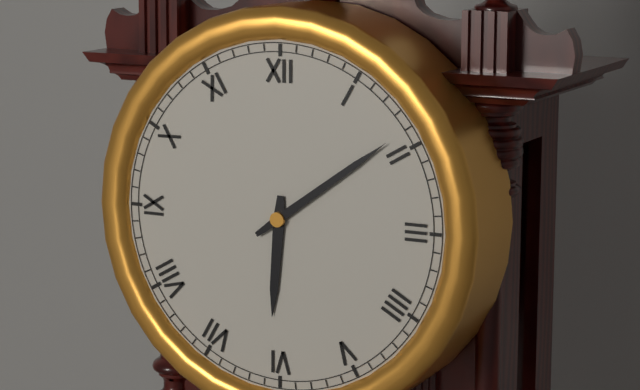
h=6 m=9
